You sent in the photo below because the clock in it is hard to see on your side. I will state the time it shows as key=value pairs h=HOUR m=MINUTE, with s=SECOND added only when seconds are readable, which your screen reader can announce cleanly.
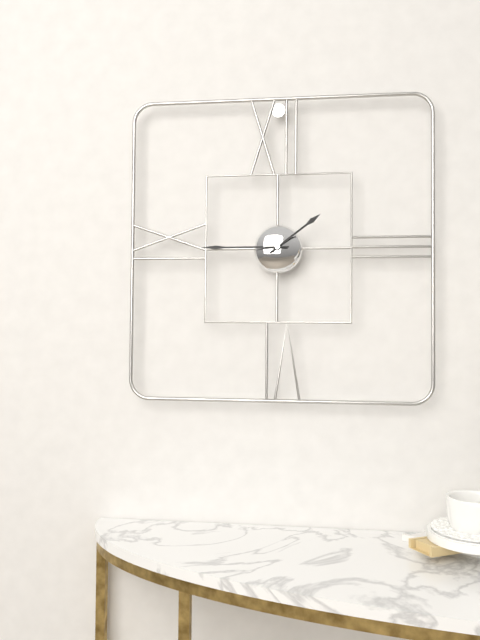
h=1 m=45
